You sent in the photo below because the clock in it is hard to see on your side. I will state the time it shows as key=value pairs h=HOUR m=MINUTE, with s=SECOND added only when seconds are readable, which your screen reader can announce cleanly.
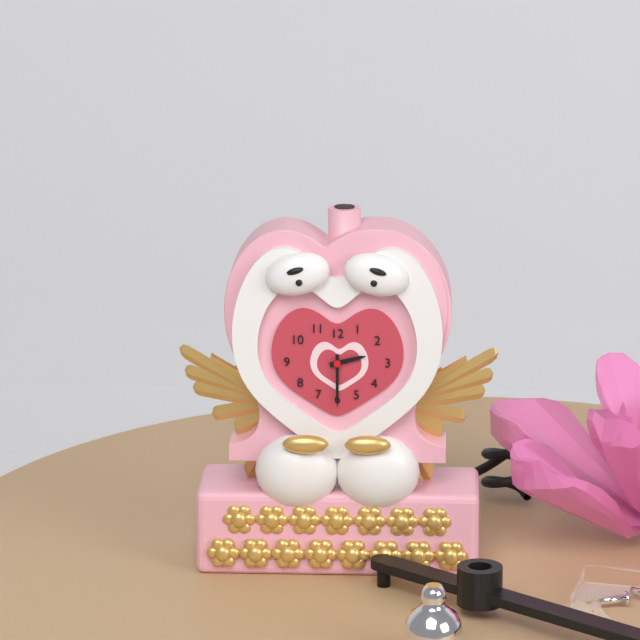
h=2 m=30
